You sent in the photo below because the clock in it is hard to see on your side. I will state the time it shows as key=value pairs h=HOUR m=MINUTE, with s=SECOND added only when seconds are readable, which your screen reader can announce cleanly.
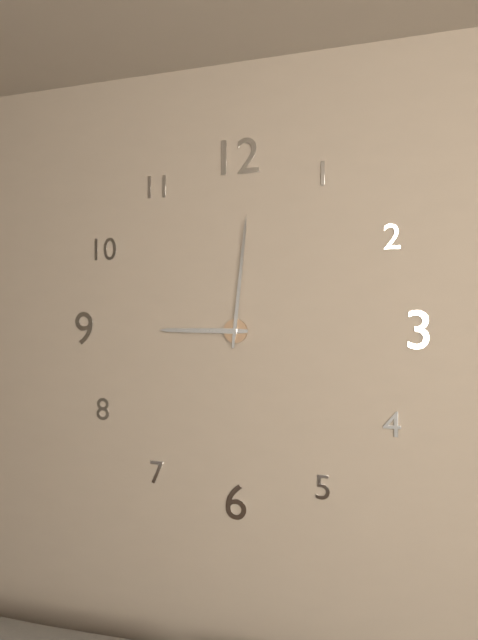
h=9 m=1
